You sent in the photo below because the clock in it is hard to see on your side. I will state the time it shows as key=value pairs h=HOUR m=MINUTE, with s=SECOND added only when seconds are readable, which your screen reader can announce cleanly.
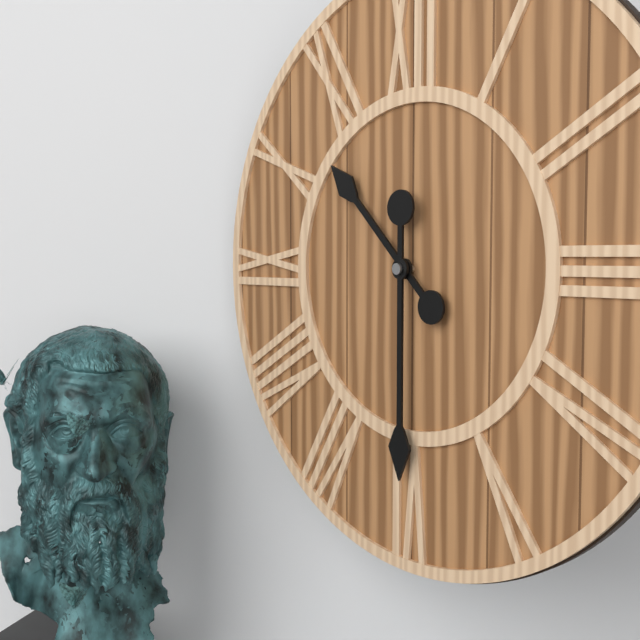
h=10 m=30
